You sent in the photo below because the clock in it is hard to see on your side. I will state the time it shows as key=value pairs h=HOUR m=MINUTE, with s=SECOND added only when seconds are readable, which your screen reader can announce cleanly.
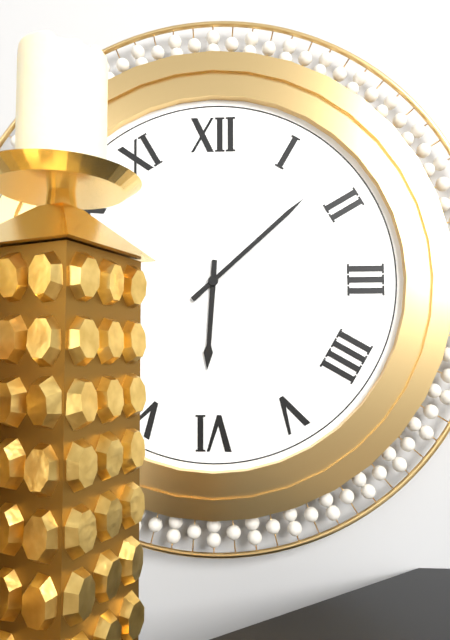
h=6 m=8
